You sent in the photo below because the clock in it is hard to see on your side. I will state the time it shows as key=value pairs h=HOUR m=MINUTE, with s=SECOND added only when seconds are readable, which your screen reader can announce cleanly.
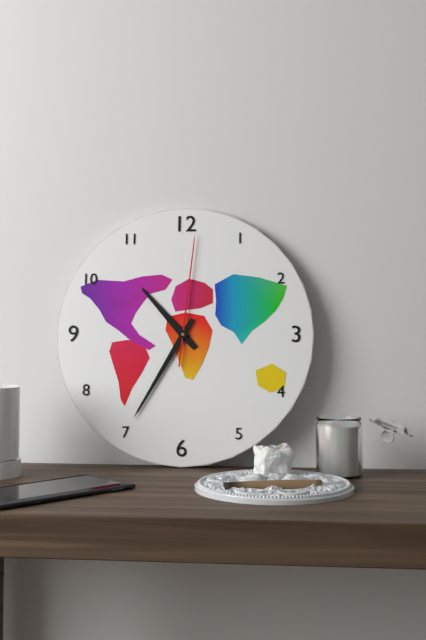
h=10 m=35 s=1
